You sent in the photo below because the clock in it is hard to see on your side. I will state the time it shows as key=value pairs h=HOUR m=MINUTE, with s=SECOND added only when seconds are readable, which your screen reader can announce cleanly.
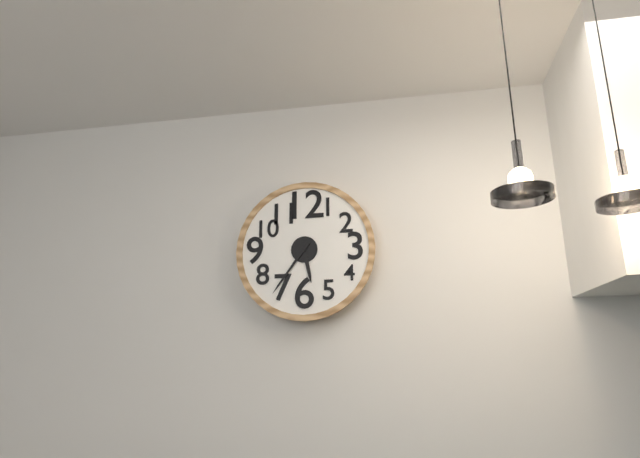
h=5 m=36
